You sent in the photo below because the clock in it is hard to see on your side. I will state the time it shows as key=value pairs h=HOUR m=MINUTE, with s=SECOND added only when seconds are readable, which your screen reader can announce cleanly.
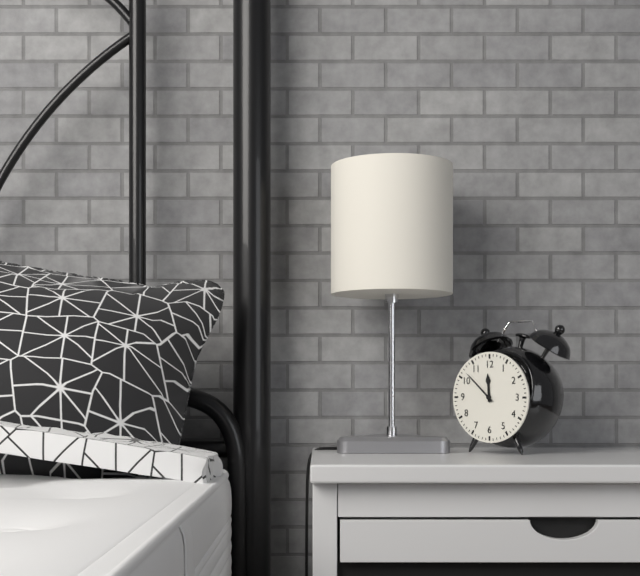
h=11 m=52
